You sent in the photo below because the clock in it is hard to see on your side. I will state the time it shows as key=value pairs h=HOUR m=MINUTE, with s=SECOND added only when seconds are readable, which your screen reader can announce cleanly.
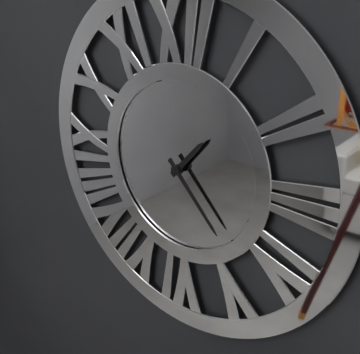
h=1 m=23
